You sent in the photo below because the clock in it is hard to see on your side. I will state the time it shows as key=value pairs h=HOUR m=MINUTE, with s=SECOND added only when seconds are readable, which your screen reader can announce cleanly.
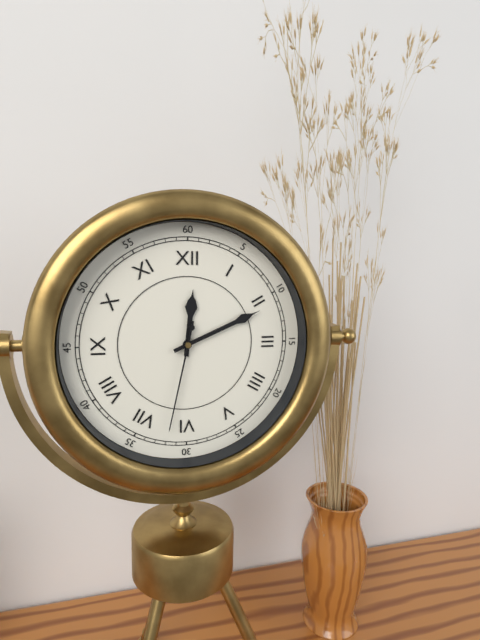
h=12 m=11 s=32
